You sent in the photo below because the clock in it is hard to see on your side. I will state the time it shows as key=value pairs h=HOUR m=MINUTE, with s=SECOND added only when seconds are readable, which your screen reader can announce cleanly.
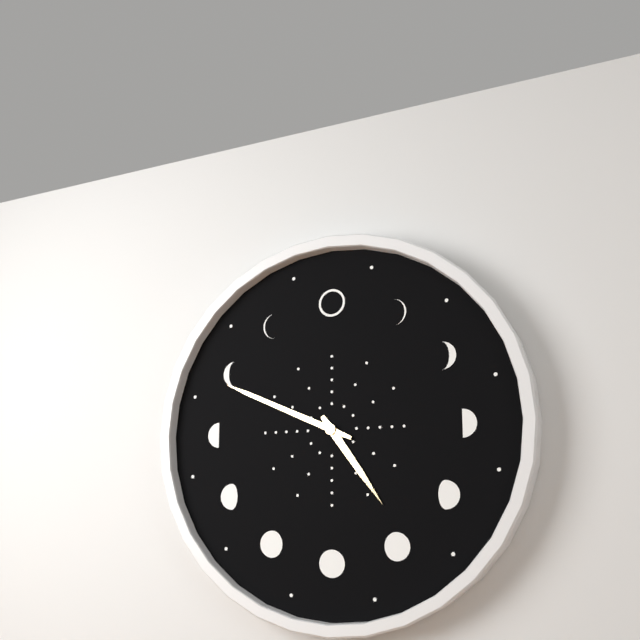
h=4 m=49
